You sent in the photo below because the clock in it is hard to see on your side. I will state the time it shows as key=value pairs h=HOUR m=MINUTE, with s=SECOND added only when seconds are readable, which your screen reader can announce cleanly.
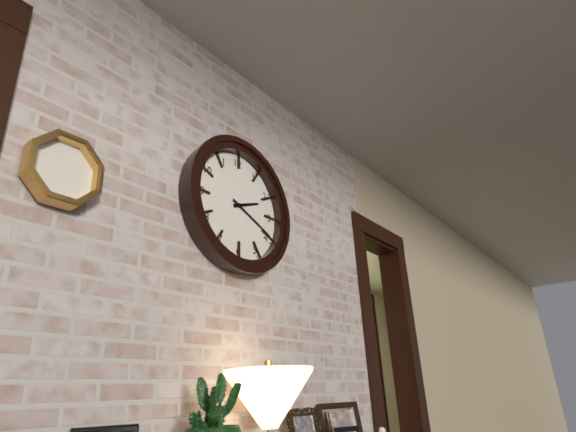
h=2 m=19
